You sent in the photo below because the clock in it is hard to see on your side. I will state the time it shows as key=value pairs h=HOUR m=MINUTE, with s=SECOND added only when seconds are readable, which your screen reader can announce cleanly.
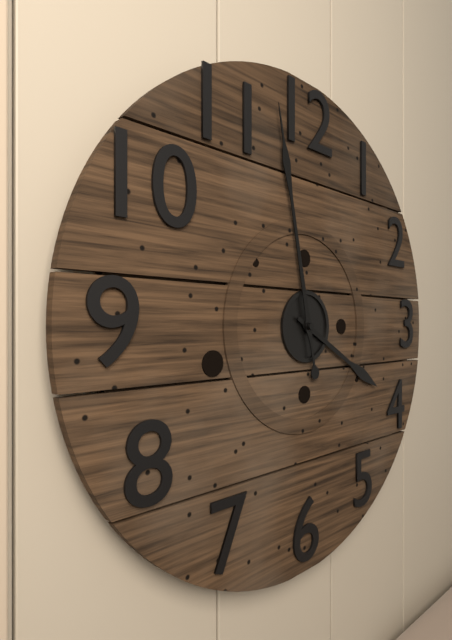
h=3 m=58
